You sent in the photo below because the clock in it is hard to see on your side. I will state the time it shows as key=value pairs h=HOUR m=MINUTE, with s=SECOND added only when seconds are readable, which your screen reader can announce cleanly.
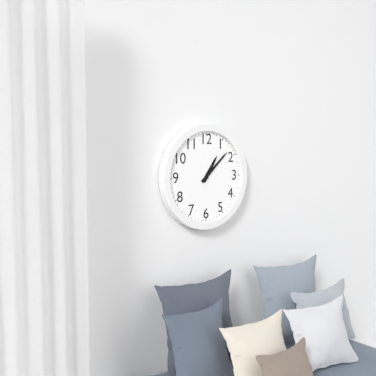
h=1 m=8
